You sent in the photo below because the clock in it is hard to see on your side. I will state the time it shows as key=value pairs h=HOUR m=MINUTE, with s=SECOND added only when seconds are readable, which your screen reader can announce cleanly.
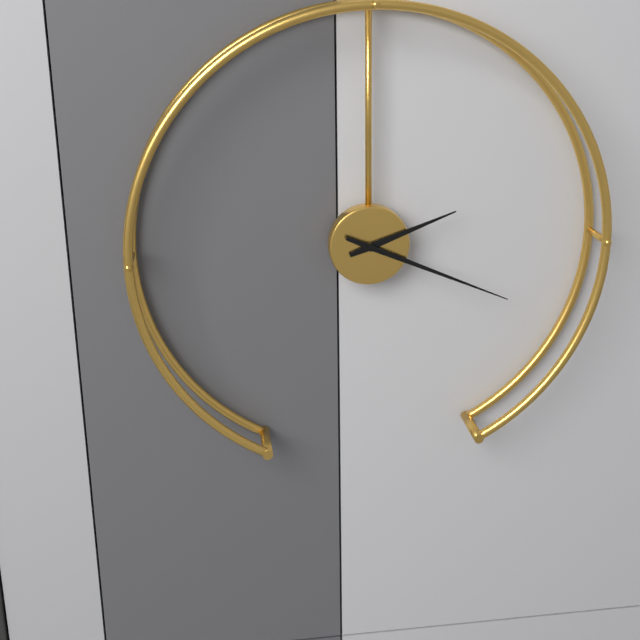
h=2 m=19
